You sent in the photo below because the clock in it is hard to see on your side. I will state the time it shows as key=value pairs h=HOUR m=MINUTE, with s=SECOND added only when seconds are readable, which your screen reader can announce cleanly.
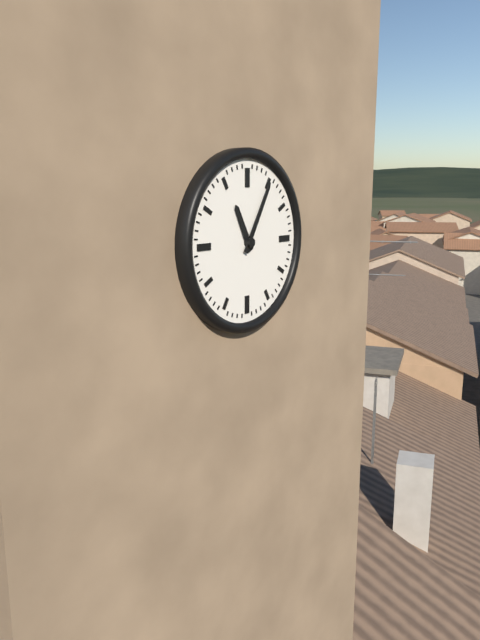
h=11 m=5
